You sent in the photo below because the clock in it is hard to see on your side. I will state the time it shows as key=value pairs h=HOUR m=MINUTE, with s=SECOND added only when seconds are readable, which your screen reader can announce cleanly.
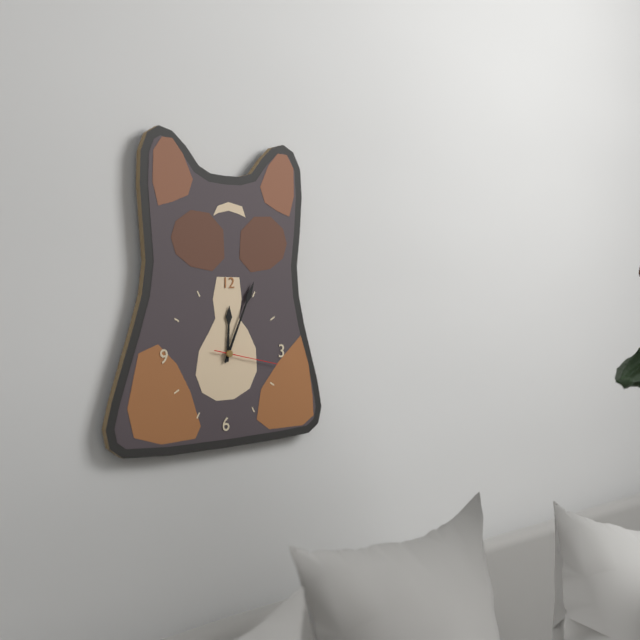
h=12 m=4 s=17
